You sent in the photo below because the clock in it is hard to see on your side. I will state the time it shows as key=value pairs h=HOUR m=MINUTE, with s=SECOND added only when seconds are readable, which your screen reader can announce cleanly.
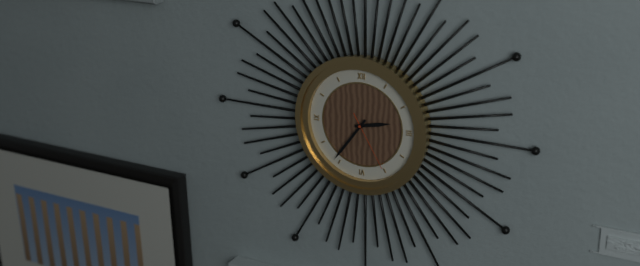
h=2 m=36 s=25
